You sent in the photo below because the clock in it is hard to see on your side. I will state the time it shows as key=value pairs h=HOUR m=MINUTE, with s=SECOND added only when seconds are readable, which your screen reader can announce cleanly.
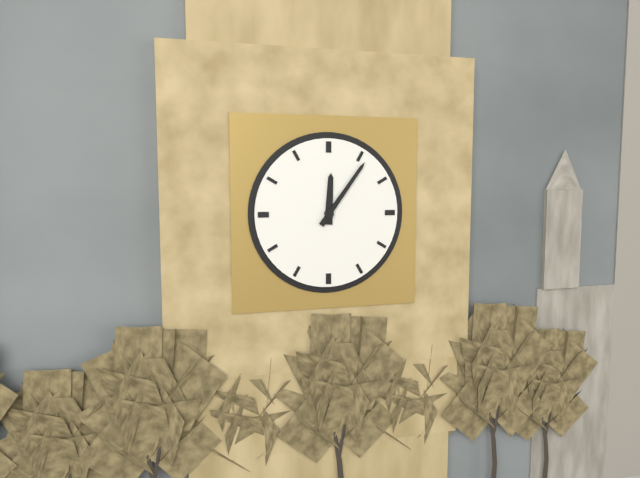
h=12 m=6
